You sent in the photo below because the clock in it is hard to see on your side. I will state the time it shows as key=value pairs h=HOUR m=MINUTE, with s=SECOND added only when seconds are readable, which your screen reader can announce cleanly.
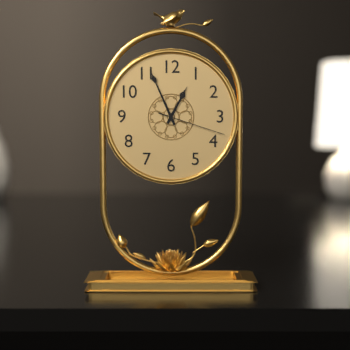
h=12 m=56 s=18
